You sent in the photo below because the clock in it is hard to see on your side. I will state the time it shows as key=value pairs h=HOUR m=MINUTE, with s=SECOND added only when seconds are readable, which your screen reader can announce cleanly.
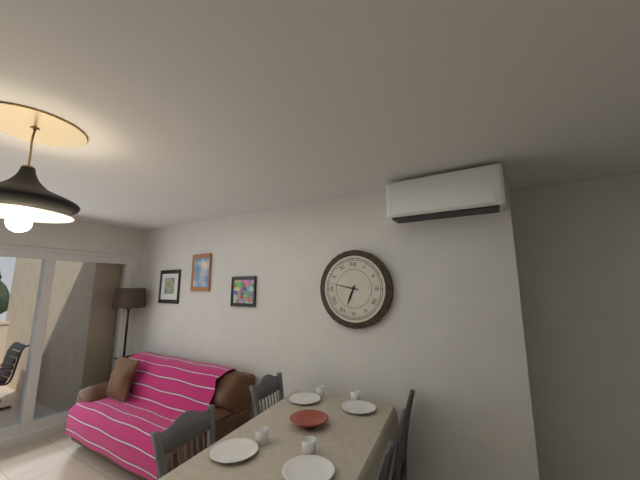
h=6 m=47
